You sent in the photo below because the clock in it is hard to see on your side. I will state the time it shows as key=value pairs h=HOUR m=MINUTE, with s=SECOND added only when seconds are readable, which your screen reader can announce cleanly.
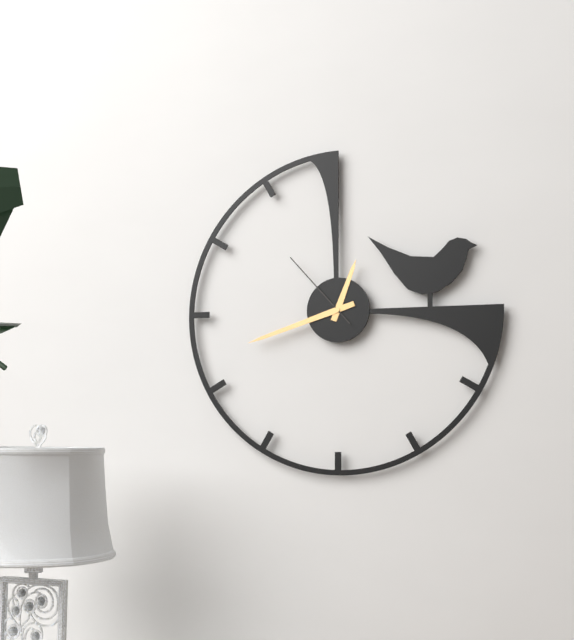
h=12 m=42 s=53
